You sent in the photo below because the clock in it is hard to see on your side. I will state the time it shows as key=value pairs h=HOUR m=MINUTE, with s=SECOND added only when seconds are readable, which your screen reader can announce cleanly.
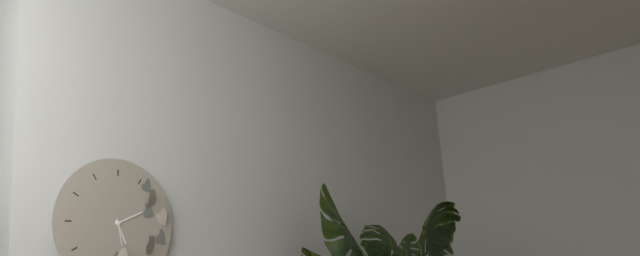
h=5 m=11
